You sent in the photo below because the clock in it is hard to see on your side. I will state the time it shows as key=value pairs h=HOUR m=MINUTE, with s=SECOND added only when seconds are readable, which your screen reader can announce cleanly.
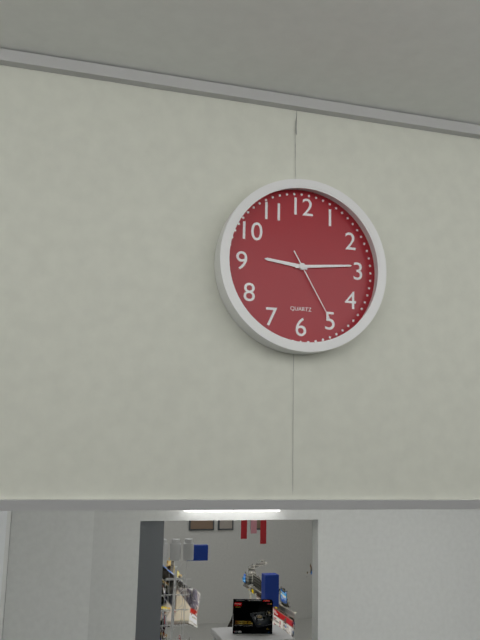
h=9 m=14 s=25
